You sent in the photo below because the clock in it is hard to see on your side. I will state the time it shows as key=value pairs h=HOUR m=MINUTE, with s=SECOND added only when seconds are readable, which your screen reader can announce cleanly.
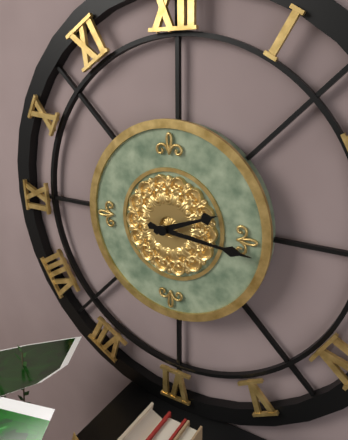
h=2 m=16
